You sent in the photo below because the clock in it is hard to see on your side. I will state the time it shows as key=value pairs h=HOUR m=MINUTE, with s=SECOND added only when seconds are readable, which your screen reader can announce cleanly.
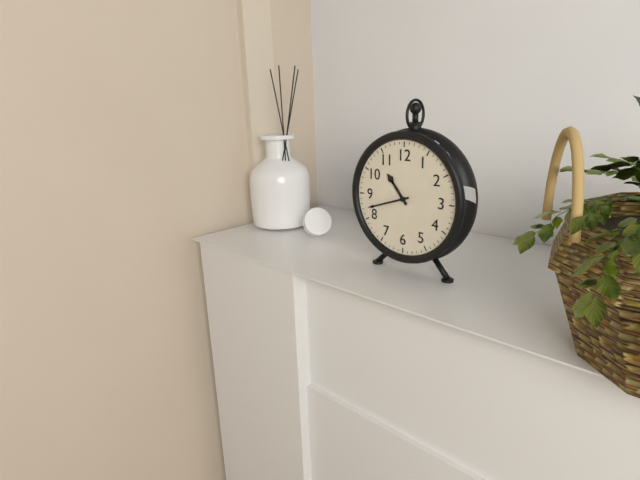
h=10 m=42
